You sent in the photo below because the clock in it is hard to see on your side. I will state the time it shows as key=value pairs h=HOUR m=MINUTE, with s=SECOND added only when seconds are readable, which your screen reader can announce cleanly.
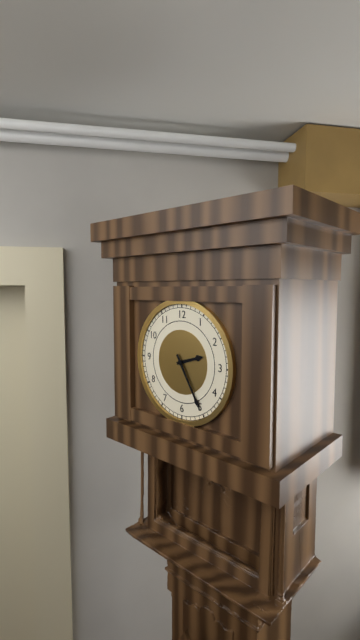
h=2 m=25
